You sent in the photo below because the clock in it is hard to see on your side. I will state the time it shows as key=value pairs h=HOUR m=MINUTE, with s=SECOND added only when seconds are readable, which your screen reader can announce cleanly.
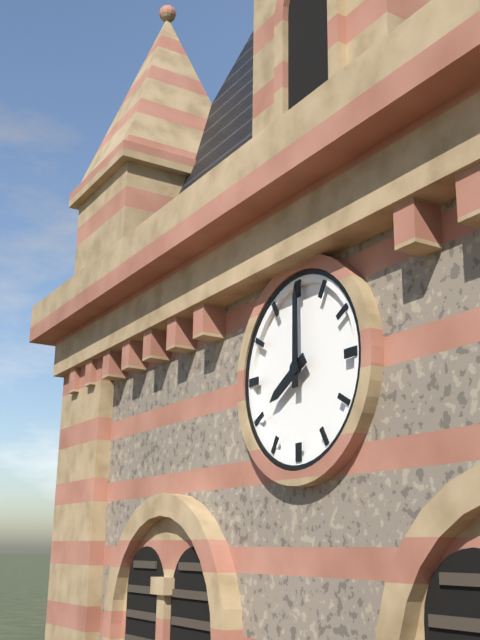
h=8 m=0
